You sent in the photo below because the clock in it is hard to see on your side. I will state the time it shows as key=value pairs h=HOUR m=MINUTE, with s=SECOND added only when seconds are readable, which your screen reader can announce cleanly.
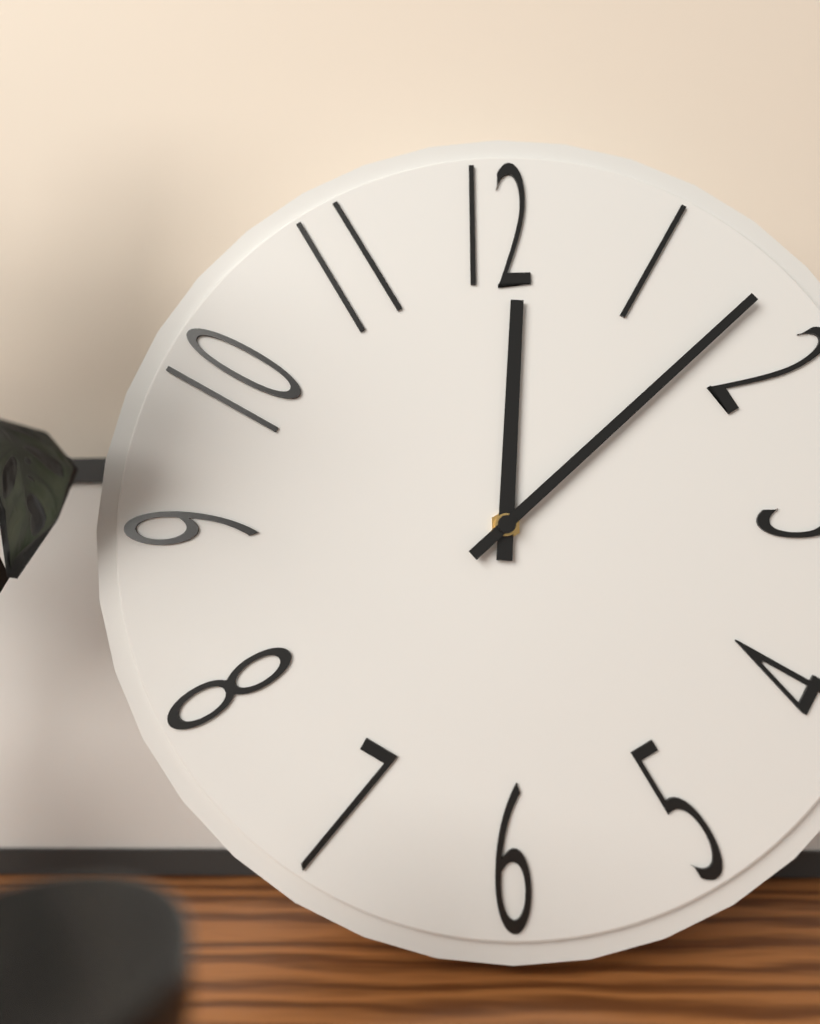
h=12 m=8
